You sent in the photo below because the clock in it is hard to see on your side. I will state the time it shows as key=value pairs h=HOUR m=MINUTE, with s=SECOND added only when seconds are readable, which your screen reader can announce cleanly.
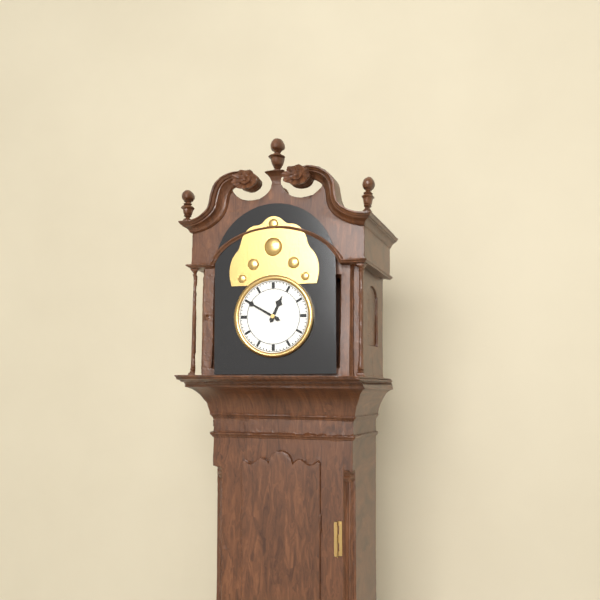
h=12 m=50
